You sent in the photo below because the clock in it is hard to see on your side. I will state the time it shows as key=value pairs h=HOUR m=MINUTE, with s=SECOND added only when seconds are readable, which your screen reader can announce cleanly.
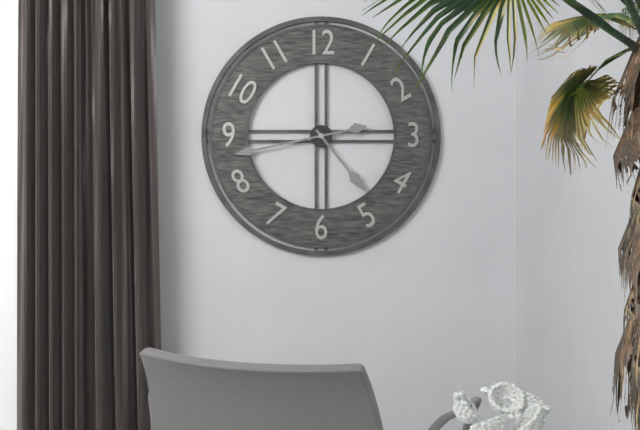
h=4 m=43
